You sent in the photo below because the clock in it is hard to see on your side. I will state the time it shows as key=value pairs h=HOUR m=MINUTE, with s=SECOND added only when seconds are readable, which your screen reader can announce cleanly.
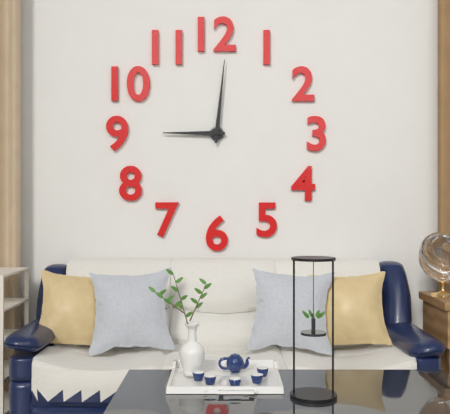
h=9 m=1
